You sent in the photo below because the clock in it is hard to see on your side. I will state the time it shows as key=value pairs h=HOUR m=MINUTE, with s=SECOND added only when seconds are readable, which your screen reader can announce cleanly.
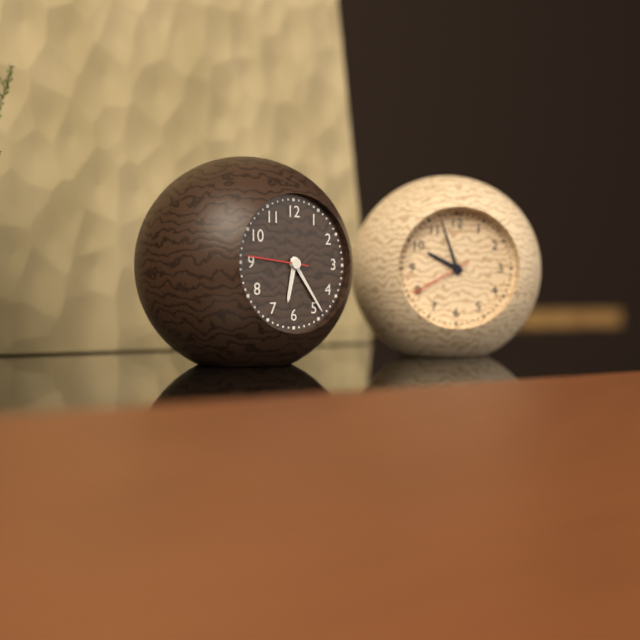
h=6 m=24 s=46
